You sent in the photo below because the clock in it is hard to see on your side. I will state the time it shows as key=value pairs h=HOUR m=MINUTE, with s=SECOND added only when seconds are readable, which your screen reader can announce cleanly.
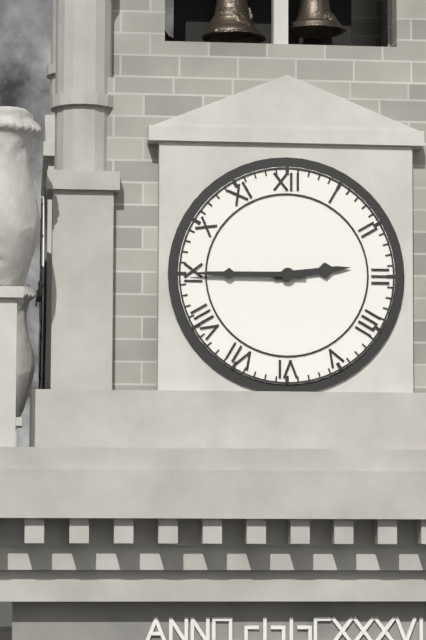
h=2 m=45
